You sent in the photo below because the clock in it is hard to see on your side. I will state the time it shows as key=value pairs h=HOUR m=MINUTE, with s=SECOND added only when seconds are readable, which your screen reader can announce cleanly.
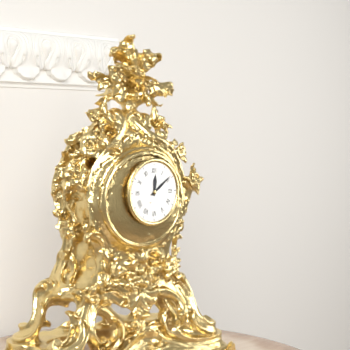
h=12 m=9
